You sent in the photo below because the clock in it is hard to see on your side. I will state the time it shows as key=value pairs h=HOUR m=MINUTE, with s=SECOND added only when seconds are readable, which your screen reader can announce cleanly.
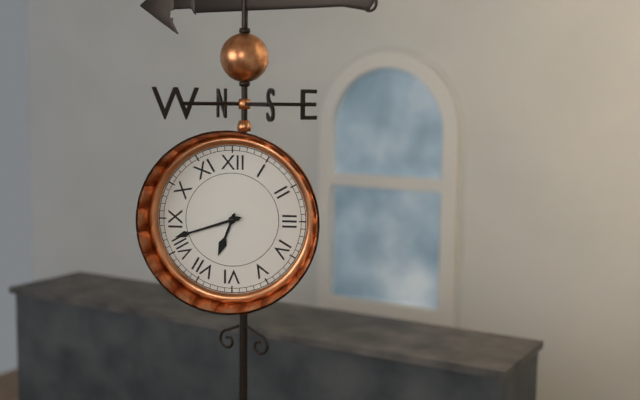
h=6 m=42
